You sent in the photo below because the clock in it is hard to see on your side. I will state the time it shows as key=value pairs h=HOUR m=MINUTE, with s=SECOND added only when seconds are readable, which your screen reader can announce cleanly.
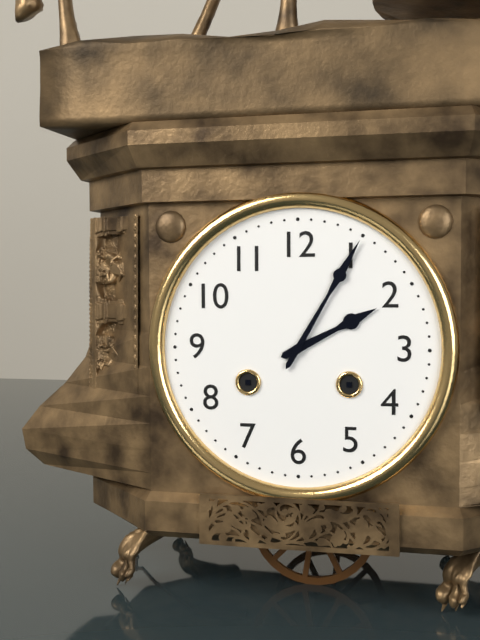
h=2 m=5
